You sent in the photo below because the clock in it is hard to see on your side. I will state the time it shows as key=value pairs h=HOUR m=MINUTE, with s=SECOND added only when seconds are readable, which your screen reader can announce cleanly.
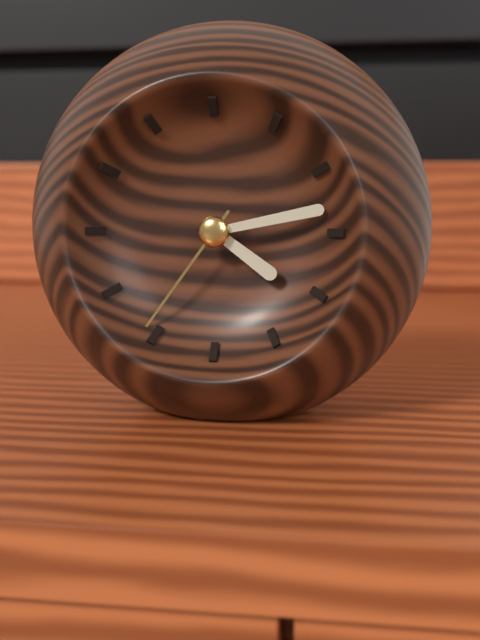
h=4 m=13 s=36
